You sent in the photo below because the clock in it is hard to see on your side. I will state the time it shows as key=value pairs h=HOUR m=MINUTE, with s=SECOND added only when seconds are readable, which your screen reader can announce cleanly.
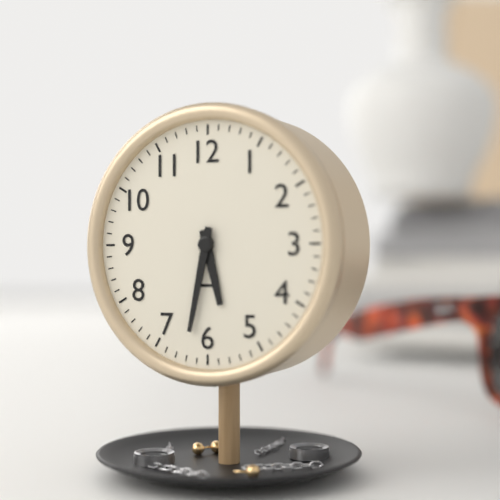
h=5 m=32
